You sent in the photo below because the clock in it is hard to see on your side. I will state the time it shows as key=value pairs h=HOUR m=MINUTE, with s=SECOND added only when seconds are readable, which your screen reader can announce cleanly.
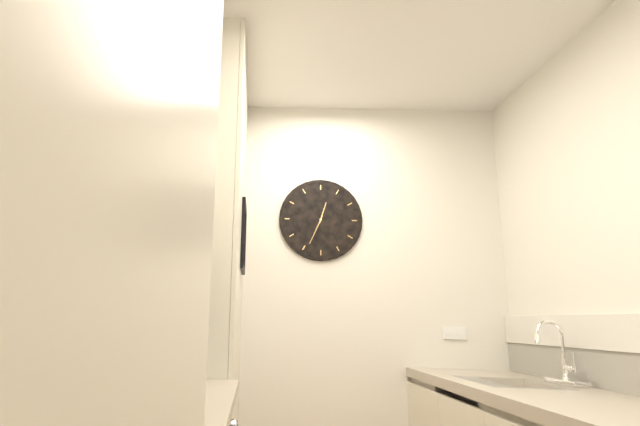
h=12 m=34
